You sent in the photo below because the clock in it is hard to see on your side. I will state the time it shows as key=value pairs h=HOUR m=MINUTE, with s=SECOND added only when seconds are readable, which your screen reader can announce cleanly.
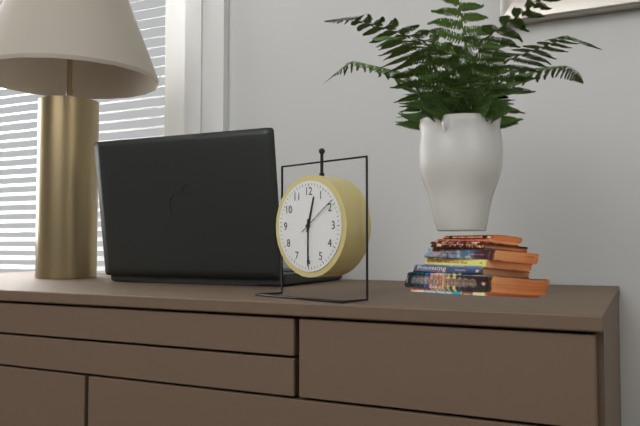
h=12 m=30
